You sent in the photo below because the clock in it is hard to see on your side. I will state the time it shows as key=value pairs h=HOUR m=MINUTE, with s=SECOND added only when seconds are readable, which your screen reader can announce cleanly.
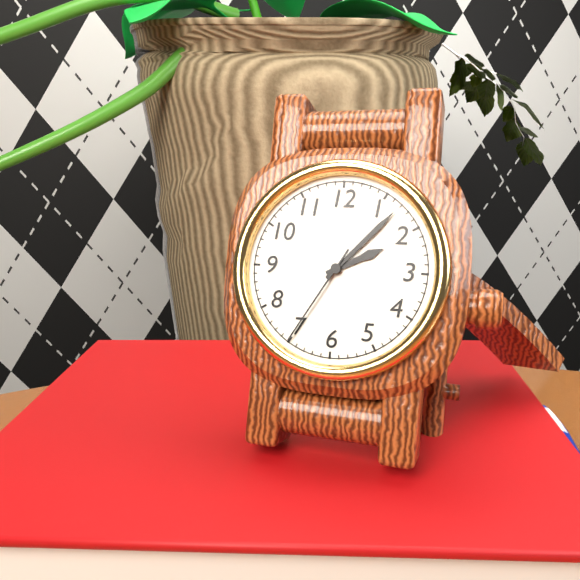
h=2 m=7 s=35
